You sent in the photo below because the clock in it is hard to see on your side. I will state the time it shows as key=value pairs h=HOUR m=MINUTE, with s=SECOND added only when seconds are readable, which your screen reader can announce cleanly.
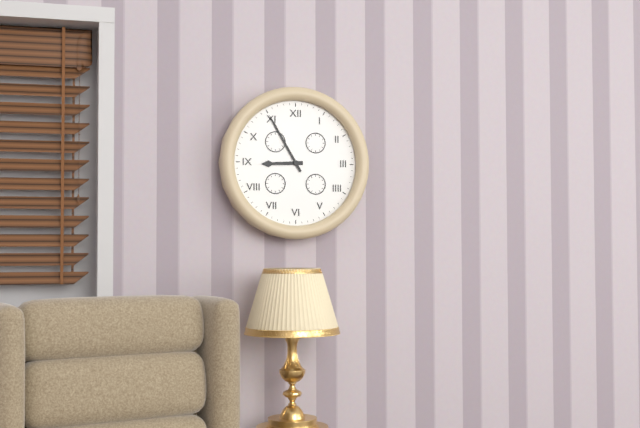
h=8 m=55
